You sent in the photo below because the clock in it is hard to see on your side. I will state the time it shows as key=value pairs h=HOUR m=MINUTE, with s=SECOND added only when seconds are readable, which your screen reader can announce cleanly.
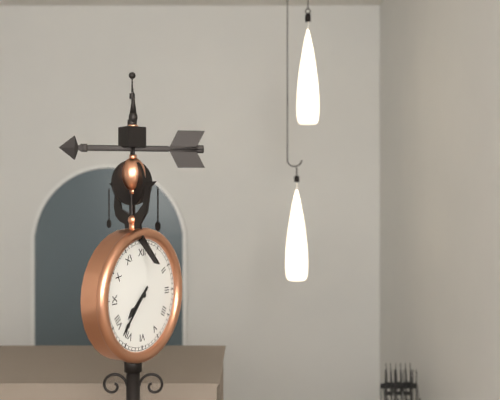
h=7 m=37
